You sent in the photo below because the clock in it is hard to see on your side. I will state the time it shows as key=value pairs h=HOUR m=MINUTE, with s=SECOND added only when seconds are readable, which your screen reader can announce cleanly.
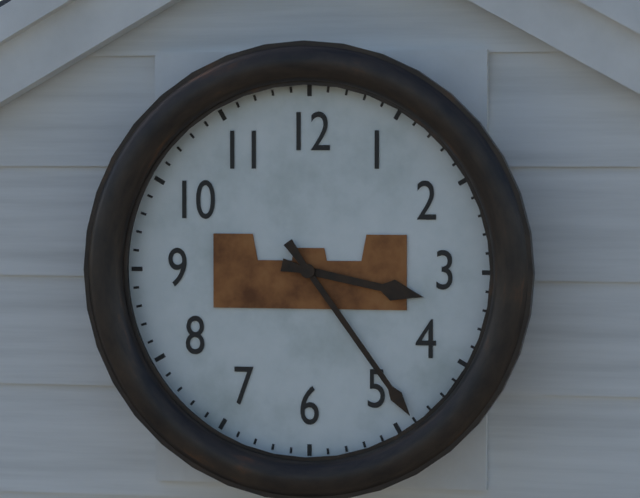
h=3 m=24
